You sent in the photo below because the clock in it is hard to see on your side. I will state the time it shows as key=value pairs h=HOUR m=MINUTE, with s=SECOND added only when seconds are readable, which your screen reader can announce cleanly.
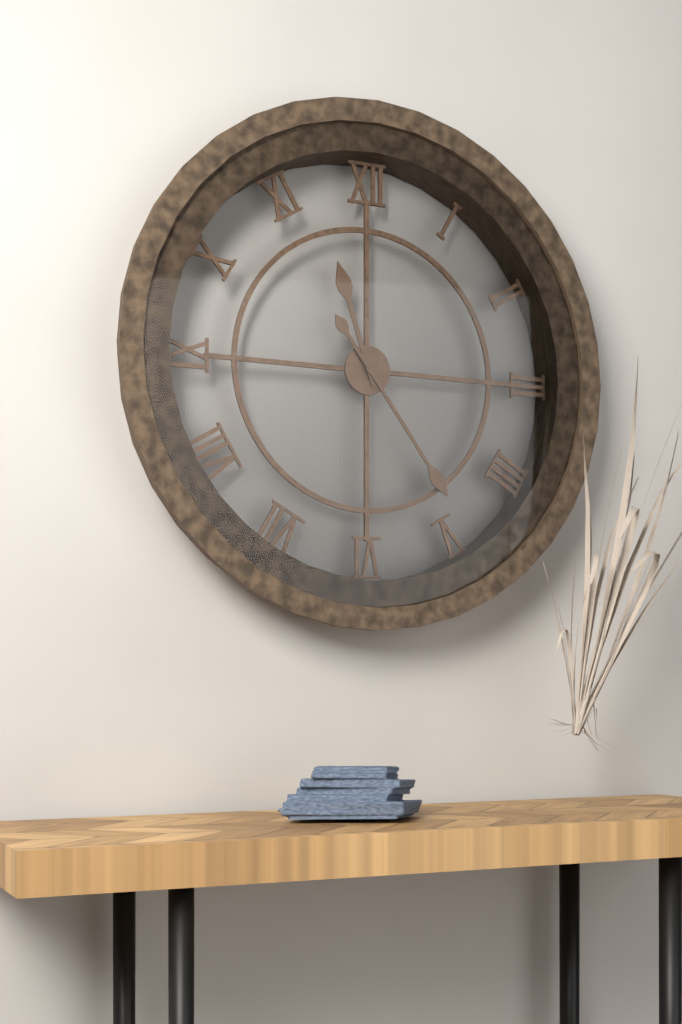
h=11 m=24
